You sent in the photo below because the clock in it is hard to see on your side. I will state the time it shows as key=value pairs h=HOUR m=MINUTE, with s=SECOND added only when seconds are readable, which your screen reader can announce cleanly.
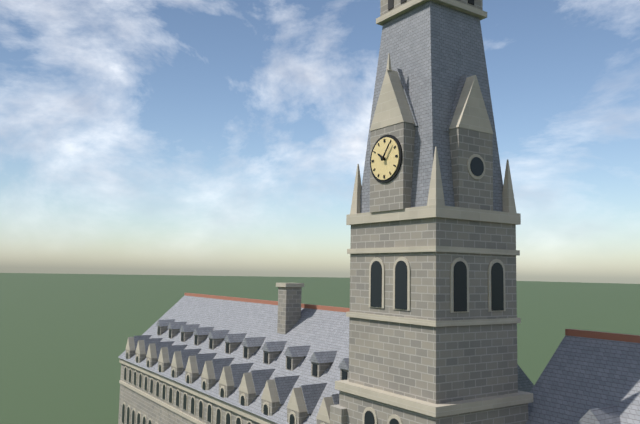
h=10 m=6
